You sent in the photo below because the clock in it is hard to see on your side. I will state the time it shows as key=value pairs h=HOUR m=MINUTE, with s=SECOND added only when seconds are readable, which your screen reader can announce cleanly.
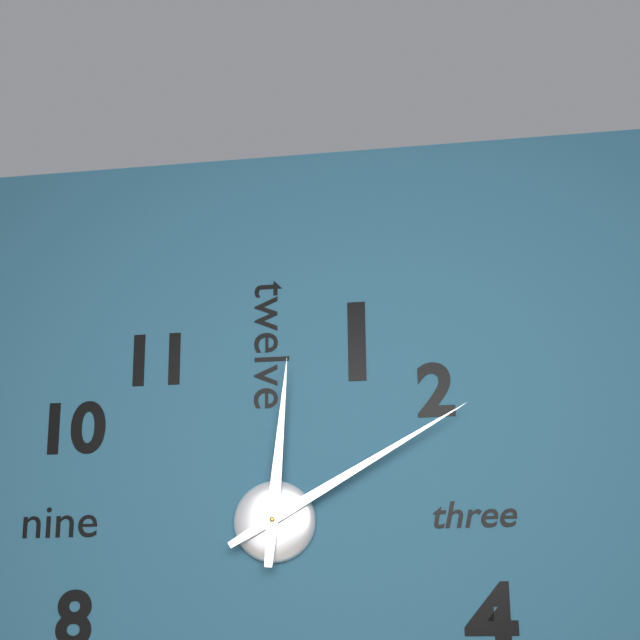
h=12 m=10
